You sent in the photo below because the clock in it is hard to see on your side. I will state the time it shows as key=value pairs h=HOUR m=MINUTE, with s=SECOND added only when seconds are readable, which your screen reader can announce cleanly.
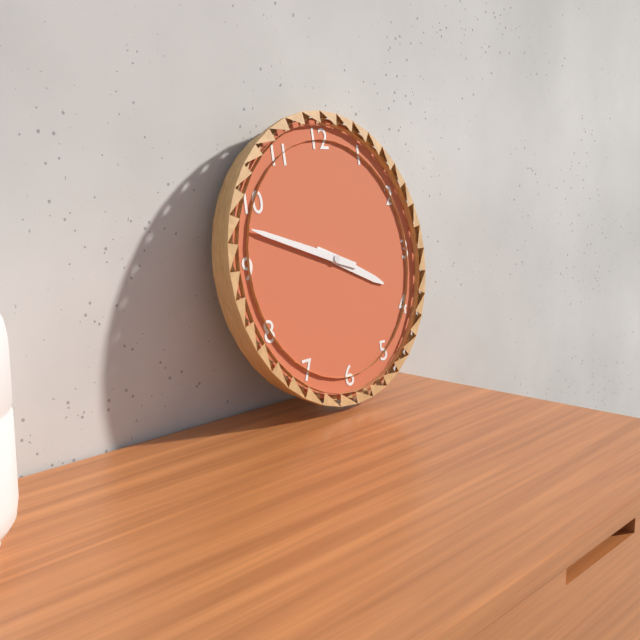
h=3 m=48
